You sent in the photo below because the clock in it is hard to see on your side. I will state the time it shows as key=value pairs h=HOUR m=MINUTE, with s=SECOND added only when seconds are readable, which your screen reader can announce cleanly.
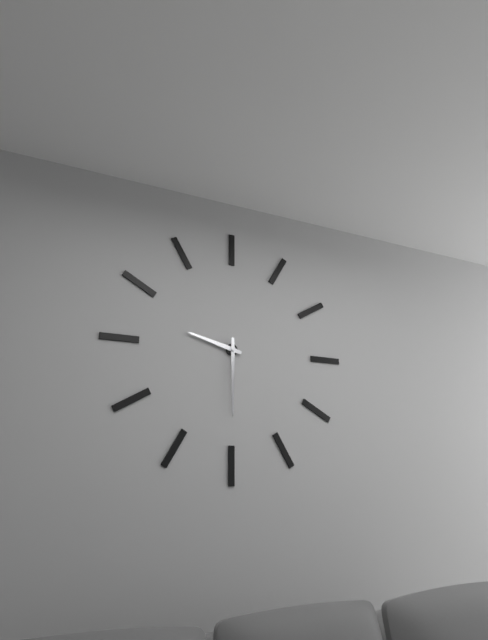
h=9 m=30
